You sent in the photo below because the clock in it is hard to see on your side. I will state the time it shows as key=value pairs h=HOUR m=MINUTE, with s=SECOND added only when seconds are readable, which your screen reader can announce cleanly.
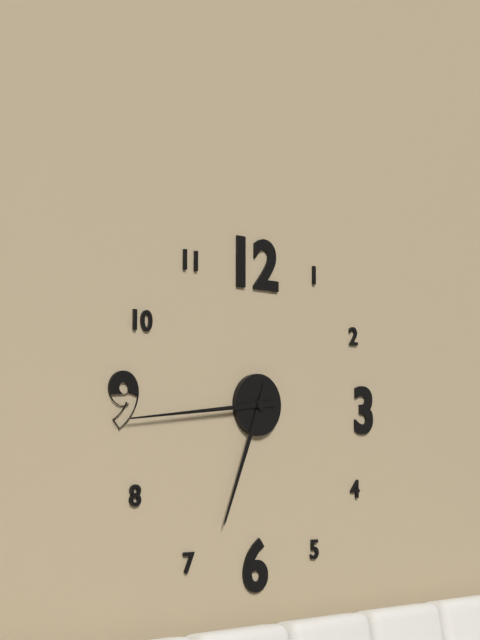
h=6 m=44
